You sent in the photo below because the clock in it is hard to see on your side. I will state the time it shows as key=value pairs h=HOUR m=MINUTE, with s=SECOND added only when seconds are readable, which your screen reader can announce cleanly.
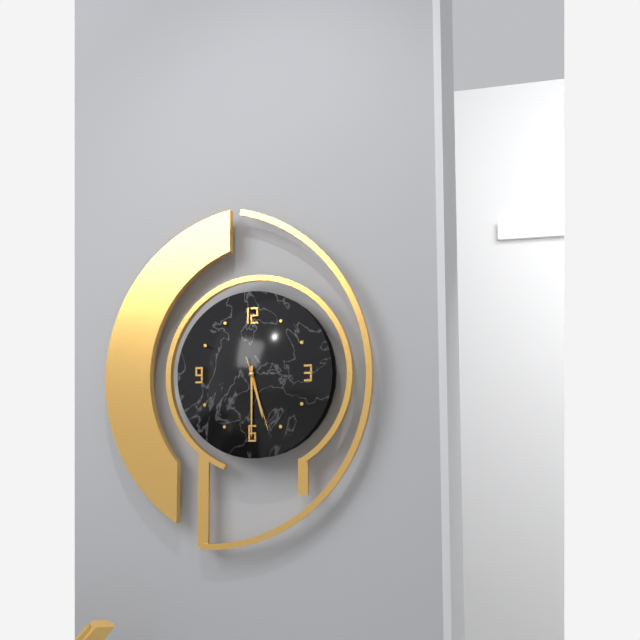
h=5 m=30 s=27
